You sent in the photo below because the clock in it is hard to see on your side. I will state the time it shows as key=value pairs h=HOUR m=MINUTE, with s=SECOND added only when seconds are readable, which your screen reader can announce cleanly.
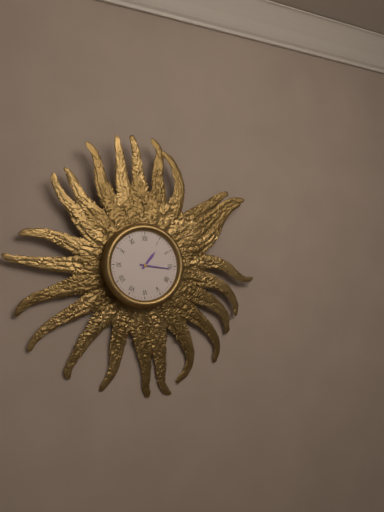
h=1 m=16
